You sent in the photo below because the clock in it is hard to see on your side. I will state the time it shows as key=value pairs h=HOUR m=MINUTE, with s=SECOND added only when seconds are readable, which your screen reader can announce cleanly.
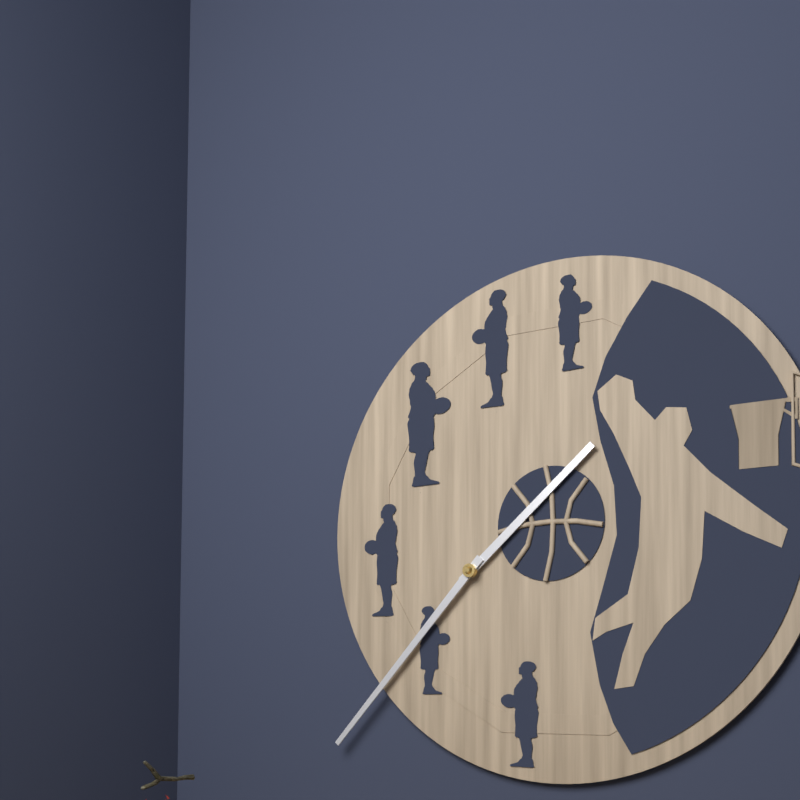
h=1 m=37
